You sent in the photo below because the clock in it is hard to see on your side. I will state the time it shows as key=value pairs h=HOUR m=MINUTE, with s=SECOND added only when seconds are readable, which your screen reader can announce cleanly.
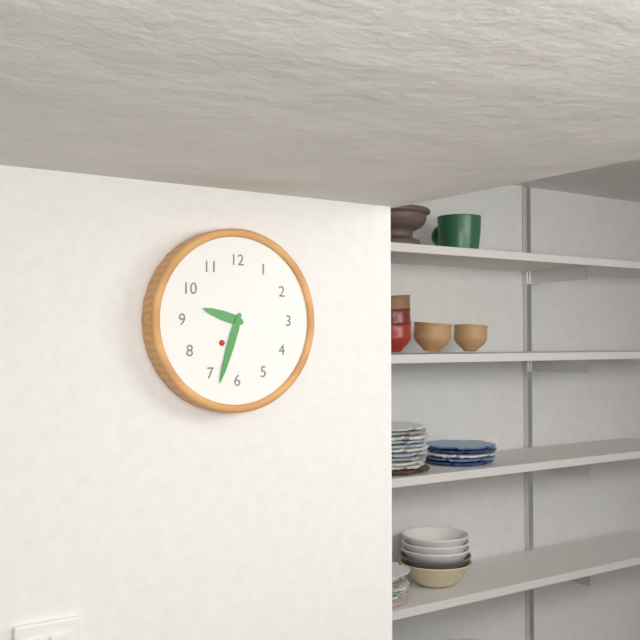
h=9 m=33
